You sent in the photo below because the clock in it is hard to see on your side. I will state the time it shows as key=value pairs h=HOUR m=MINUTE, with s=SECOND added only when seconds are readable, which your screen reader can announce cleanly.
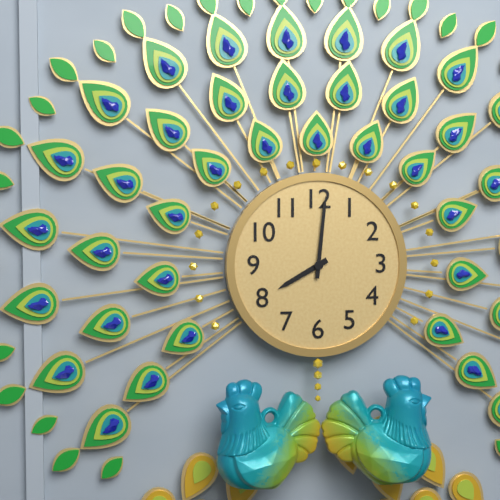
h=8 m=1
